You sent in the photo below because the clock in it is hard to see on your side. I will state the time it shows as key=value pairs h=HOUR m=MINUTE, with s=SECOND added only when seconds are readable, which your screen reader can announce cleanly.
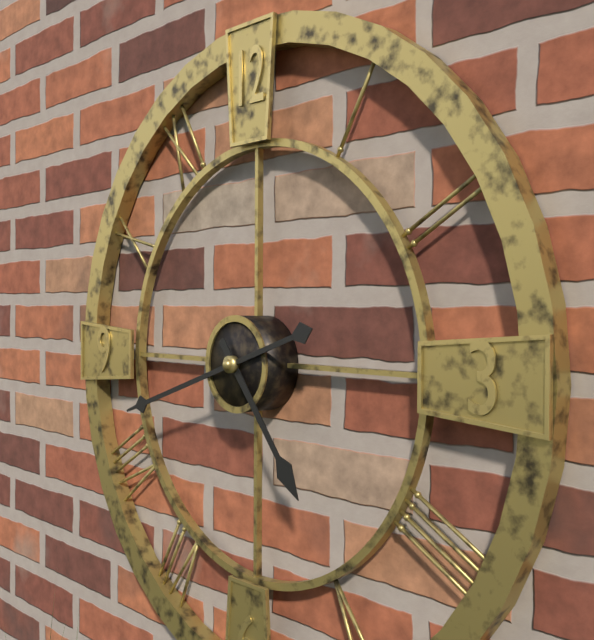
h=4 m=42
